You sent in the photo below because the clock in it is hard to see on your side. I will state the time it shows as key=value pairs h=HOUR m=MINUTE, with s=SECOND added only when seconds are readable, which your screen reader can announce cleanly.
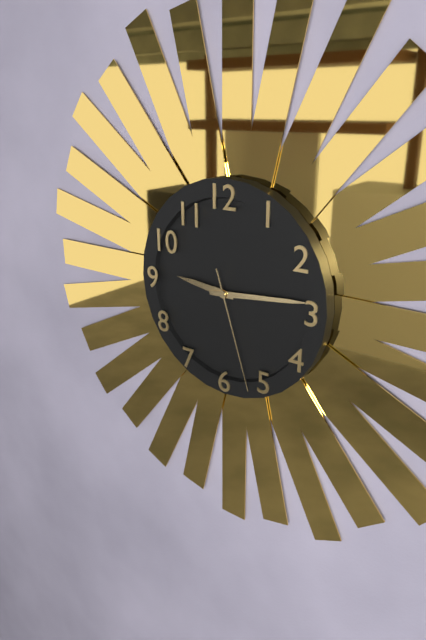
h=9 m=14 s=27
